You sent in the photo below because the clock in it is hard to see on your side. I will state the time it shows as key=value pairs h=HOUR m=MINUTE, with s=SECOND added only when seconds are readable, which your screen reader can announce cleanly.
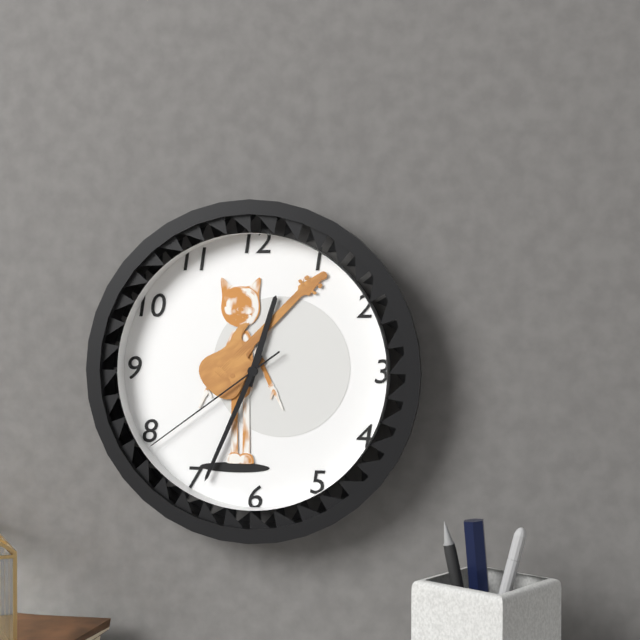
h=12 m=34 s=39
